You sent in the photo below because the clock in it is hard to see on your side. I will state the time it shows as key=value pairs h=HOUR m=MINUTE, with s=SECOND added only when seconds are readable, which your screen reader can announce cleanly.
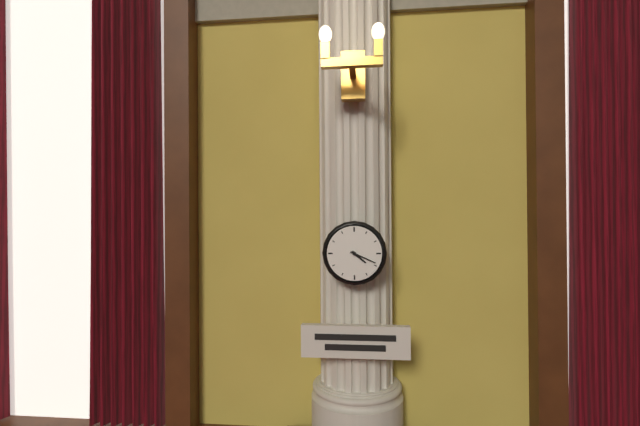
h=4 m=19
